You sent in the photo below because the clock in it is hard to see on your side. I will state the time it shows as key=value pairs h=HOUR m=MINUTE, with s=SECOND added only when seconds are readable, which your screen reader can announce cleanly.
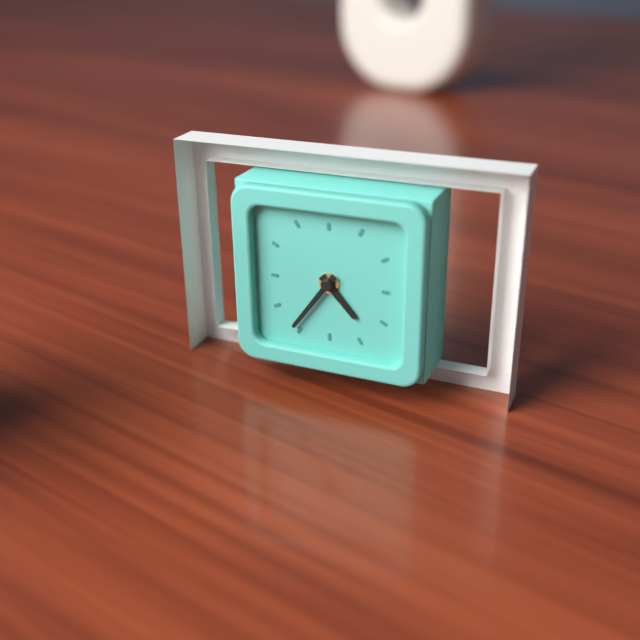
h=4 m=36
